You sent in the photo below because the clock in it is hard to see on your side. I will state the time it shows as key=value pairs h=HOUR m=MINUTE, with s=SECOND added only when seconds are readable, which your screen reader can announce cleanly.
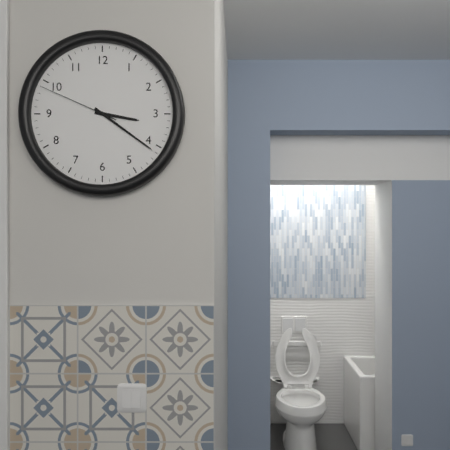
h=3 m=21 s=49
